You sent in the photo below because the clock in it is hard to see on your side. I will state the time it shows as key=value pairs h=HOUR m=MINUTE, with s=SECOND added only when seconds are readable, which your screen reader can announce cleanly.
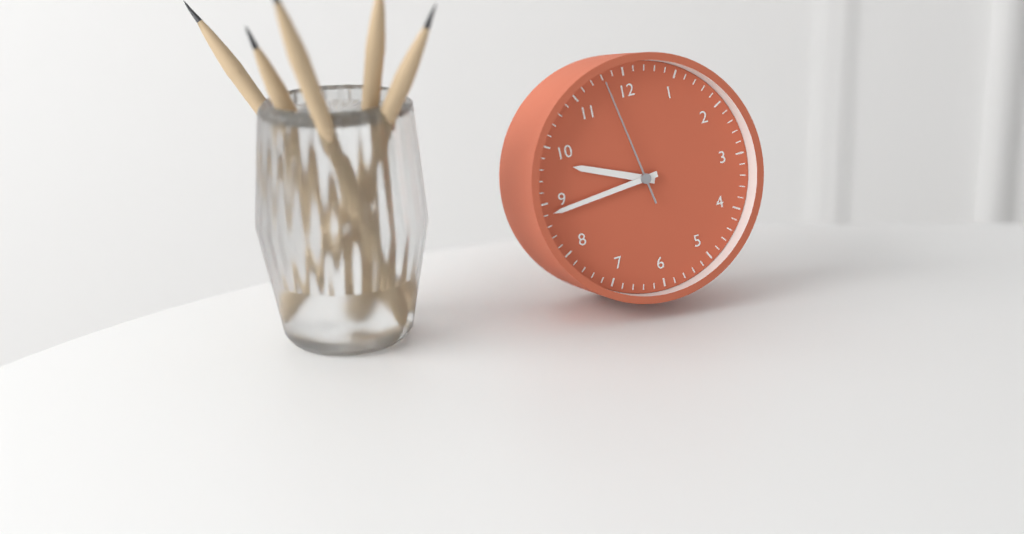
h=9 m=44 s=58
